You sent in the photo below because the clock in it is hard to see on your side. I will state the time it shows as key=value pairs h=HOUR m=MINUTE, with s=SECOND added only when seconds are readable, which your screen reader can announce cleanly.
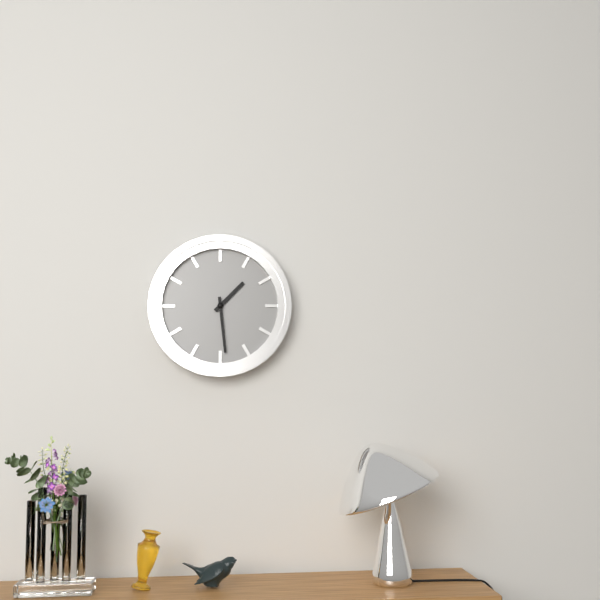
h=1 m=29
